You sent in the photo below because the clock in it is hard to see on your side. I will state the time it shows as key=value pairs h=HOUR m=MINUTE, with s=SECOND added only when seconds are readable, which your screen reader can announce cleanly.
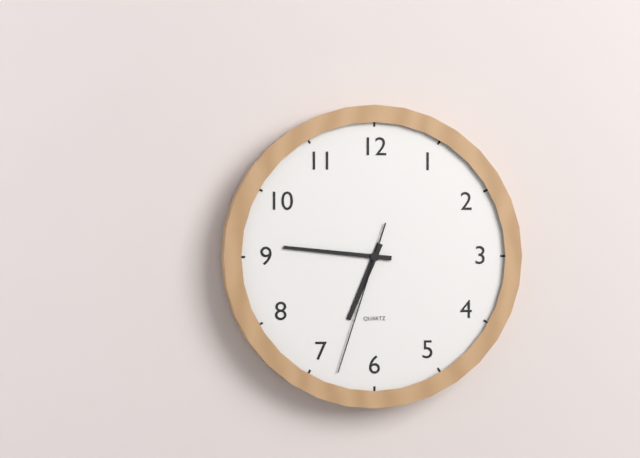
h=6 m=46 s=33
